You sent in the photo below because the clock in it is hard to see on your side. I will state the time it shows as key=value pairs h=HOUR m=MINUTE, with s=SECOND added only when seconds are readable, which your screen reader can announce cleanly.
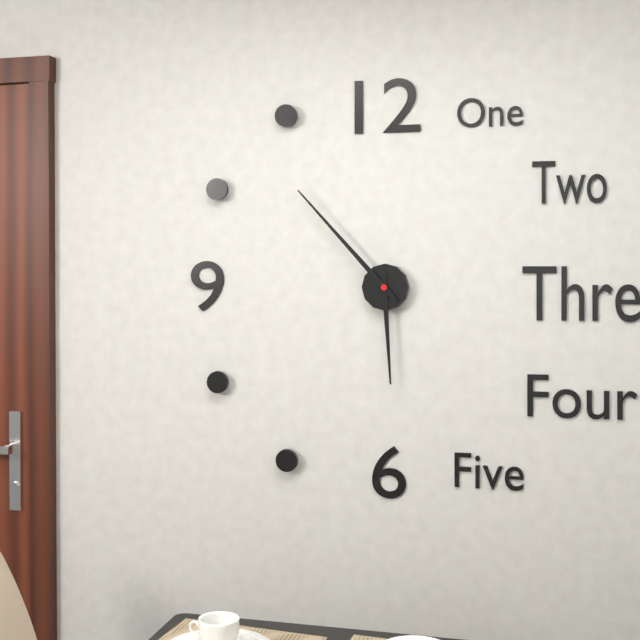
h=5 m=53
